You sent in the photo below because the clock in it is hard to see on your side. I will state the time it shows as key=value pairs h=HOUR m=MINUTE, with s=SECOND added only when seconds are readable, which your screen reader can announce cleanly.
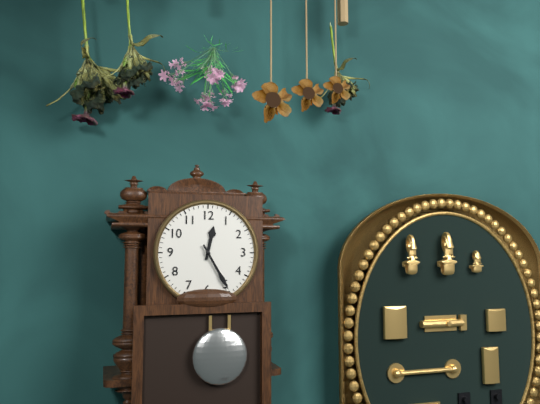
h=12 m=25
